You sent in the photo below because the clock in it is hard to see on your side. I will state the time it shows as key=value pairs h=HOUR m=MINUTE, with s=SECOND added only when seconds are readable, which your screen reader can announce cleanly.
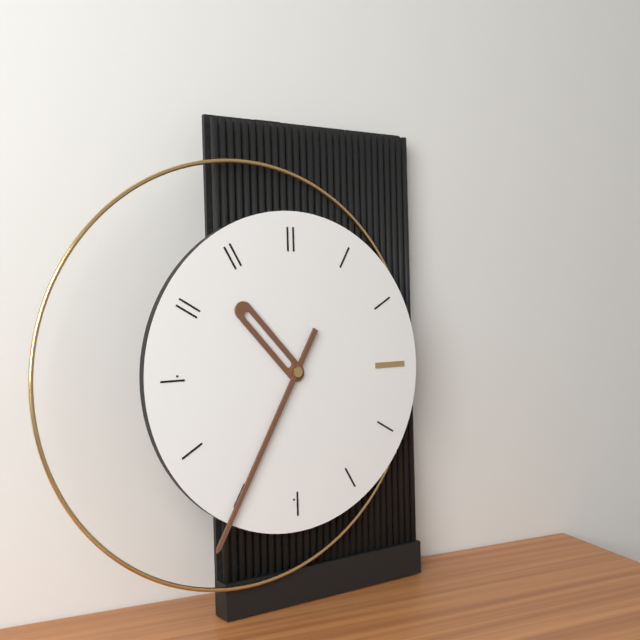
h=10 m=35
